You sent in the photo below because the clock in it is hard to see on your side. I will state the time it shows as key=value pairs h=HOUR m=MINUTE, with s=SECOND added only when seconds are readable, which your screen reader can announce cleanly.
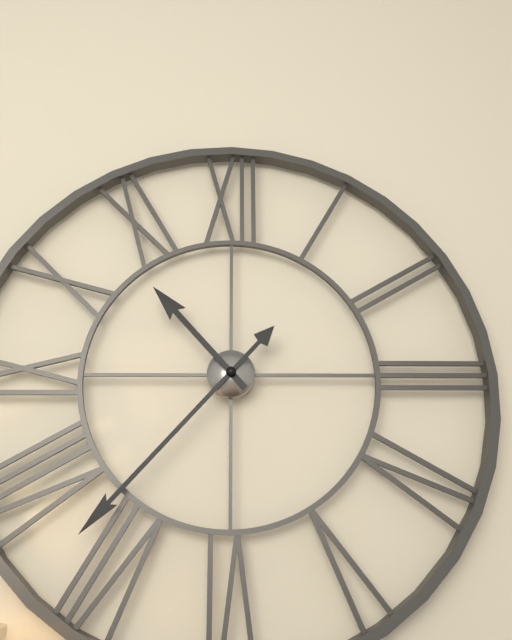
h=10 m=37
